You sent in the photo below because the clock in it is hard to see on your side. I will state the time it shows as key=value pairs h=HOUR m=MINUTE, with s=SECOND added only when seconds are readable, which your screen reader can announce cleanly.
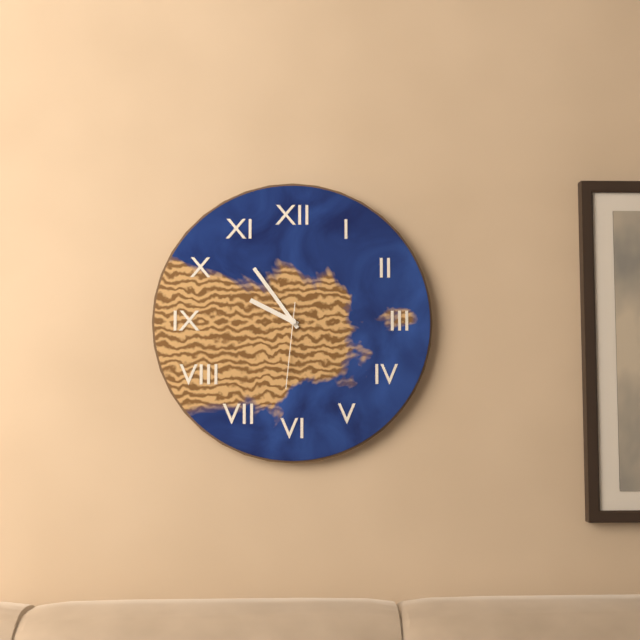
h=9 m=54 s=31
